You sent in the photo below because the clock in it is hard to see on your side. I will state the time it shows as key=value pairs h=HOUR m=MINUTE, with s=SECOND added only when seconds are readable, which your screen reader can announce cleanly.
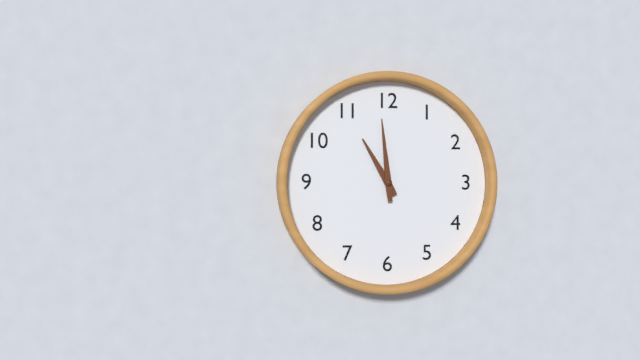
h=10 m=59
